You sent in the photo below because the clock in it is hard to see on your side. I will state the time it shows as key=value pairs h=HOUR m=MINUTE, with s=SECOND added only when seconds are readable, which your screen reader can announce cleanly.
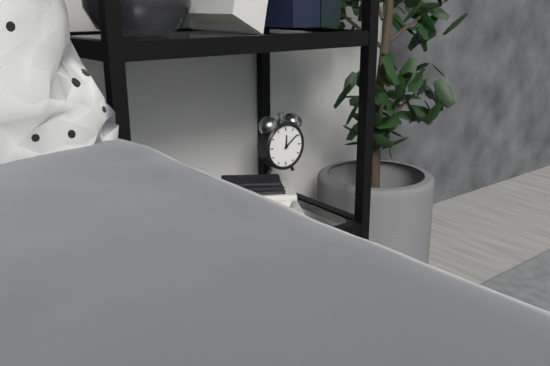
h=12 m=9
